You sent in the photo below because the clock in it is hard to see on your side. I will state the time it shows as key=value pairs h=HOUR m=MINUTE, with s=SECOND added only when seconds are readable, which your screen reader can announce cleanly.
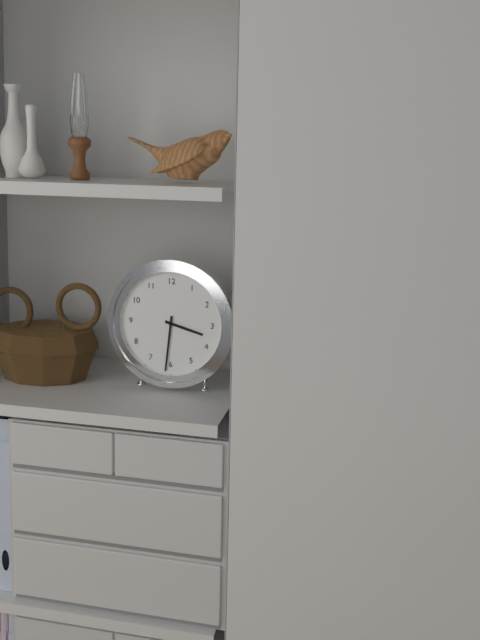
h=3 m=31
